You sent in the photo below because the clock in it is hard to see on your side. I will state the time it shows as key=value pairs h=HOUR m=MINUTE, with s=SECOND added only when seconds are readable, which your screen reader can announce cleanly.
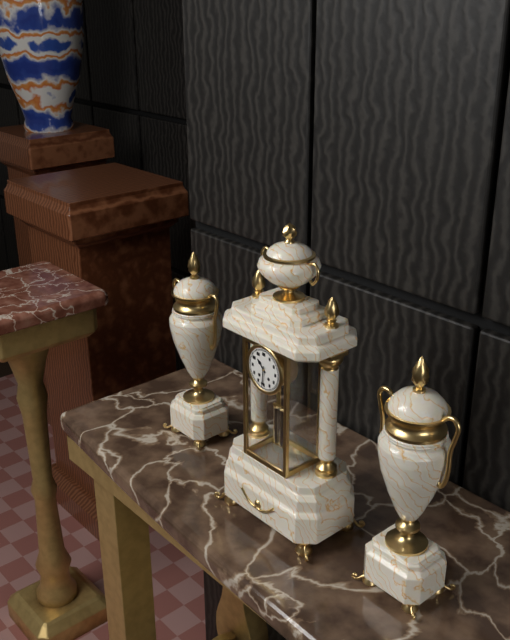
h=10 m=31
